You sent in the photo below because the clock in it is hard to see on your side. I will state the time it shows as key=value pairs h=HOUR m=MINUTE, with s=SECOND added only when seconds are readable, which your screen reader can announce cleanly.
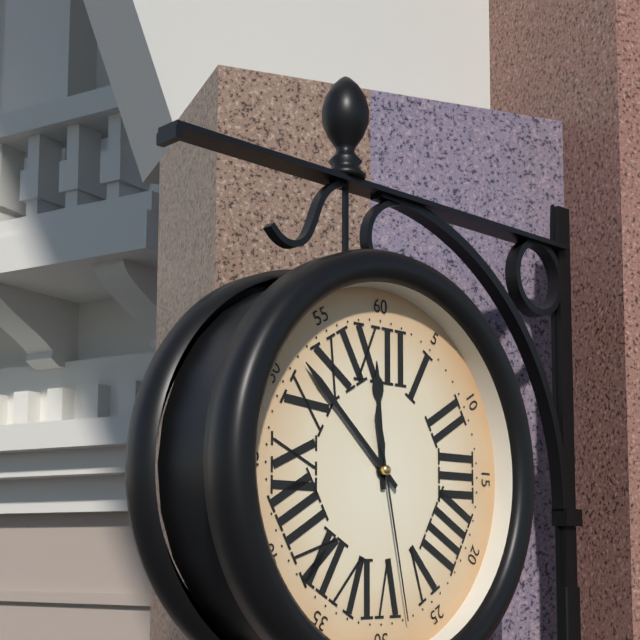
h=11 m=52 s=28
